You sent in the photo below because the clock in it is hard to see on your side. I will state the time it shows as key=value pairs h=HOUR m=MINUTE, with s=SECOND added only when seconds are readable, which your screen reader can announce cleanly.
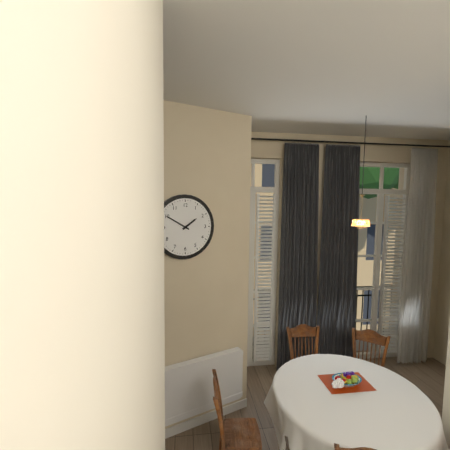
h=1 m=50
